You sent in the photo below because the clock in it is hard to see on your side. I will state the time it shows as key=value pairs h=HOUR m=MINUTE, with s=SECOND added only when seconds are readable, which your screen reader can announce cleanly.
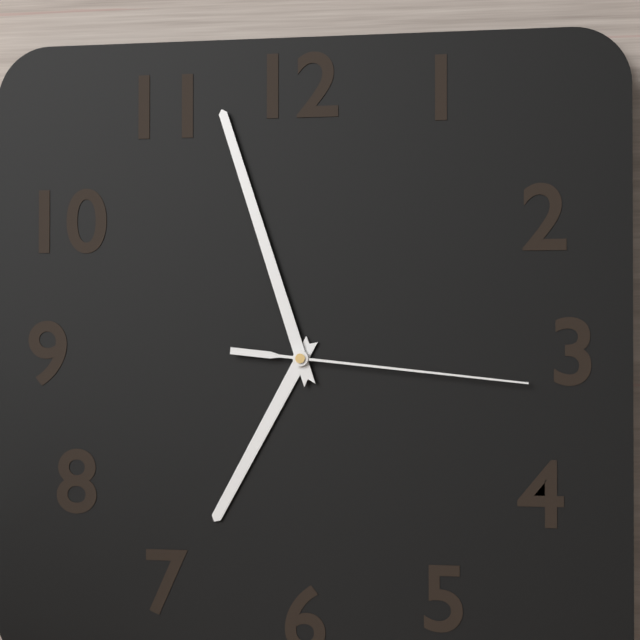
h=6 m=57 s=16
